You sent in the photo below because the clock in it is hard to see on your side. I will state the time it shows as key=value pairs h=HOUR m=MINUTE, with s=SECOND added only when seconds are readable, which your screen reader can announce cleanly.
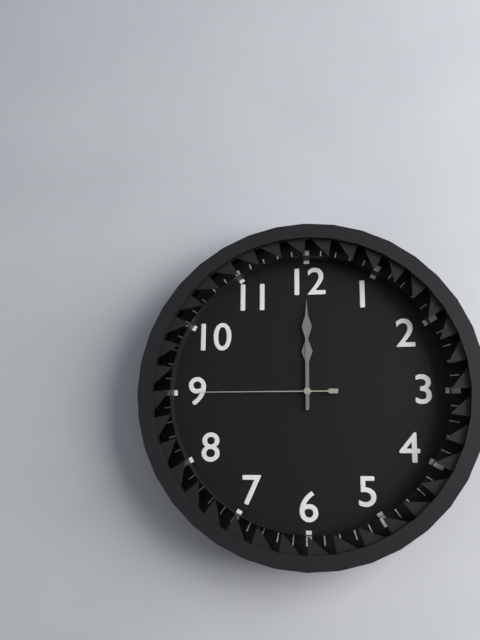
h=12 m=0 s=45
